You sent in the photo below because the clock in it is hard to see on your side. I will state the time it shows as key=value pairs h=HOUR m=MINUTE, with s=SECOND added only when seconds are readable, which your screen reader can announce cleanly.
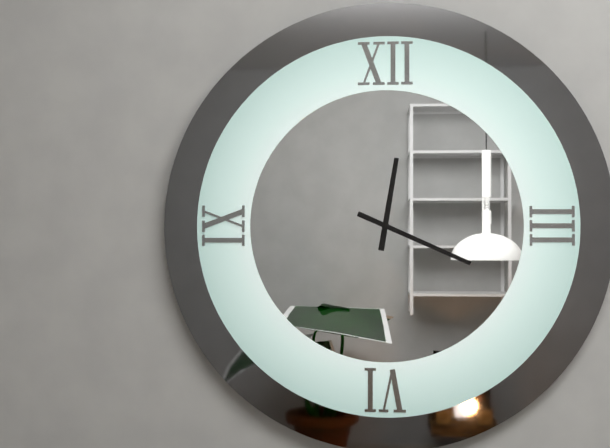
h=12 m=19
